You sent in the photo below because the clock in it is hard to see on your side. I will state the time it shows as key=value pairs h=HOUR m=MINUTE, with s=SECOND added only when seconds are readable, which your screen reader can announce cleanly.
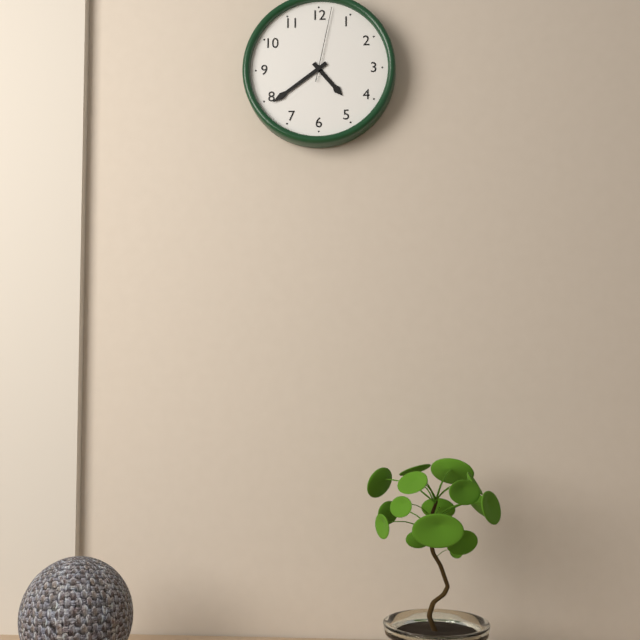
h=4 m=39 s=2
